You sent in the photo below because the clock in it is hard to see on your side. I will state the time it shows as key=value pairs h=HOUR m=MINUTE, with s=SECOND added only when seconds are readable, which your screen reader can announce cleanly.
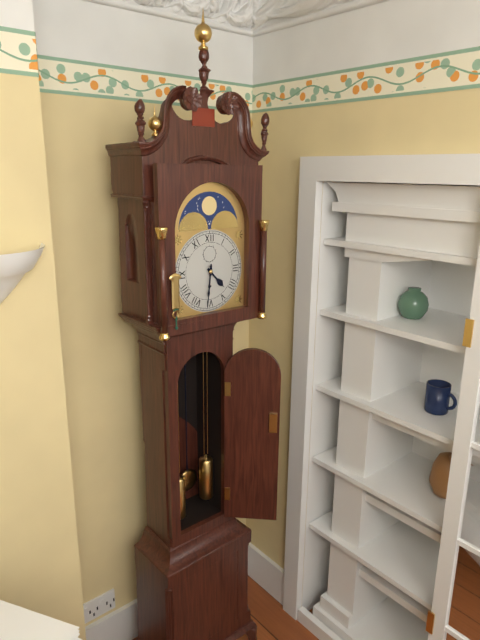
h=4 m=31
